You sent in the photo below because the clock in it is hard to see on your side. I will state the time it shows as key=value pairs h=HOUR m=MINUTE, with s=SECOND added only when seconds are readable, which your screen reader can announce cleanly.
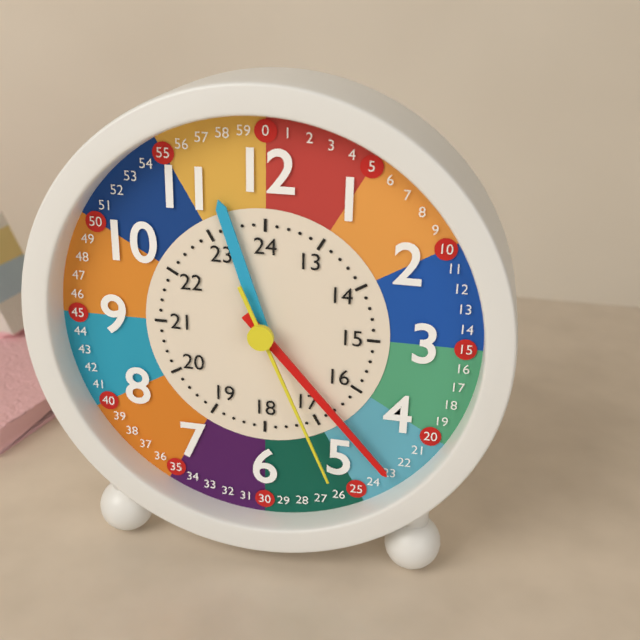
h=11 m=23 s=26
